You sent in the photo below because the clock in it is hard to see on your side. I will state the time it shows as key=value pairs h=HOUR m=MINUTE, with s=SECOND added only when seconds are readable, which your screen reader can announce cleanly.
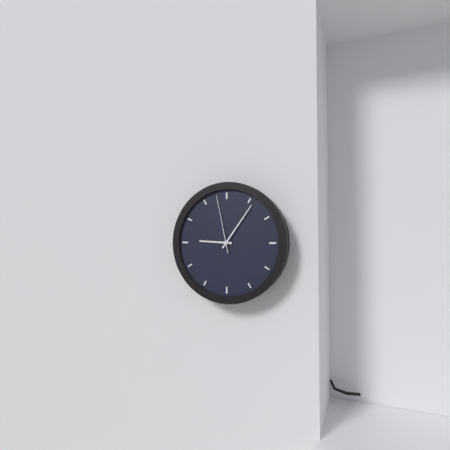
h=9 m=6 s=58
